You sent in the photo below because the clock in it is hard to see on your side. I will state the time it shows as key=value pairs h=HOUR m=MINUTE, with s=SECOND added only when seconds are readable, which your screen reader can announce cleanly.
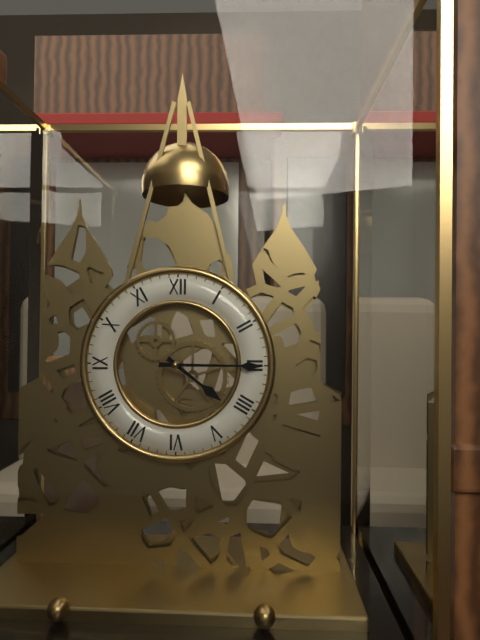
h=4 m=15
